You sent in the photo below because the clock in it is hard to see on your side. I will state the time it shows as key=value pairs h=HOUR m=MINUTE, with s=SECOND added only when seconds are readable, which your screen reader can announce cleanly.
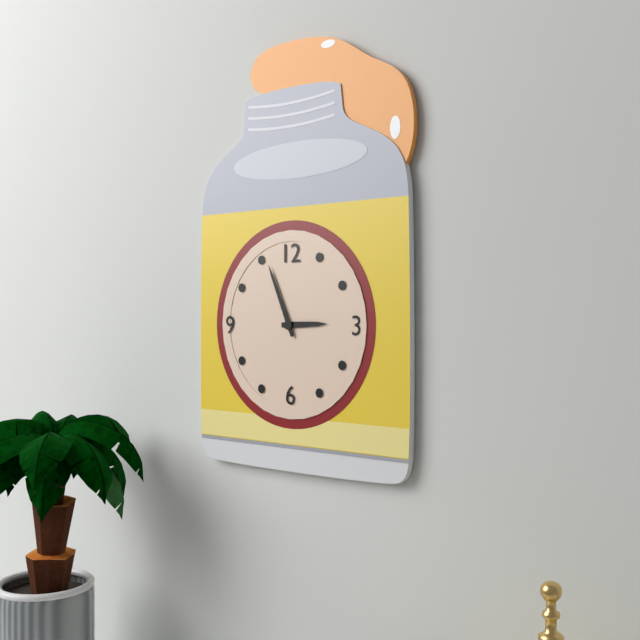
h=2 m=56
